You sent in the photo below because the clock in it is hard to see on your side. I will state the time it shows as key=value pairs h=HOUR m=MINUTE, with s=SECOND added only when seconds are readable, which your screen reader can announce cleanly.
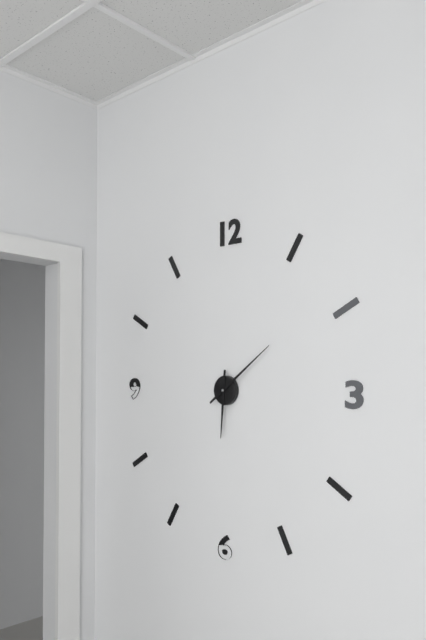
h=6 m=9
